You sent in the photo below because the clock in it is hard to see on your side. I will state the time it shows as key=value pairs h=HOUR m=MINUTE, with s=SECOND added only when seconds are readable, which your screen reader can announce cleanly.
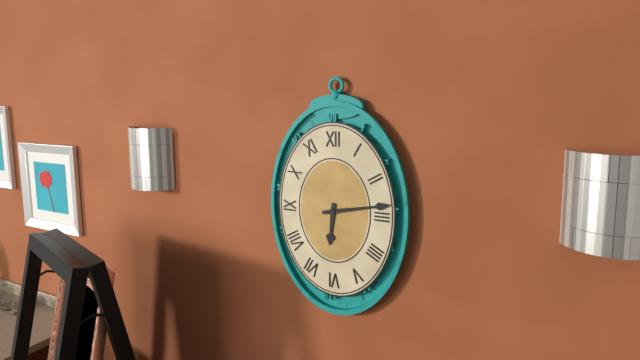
h=6 m=13
